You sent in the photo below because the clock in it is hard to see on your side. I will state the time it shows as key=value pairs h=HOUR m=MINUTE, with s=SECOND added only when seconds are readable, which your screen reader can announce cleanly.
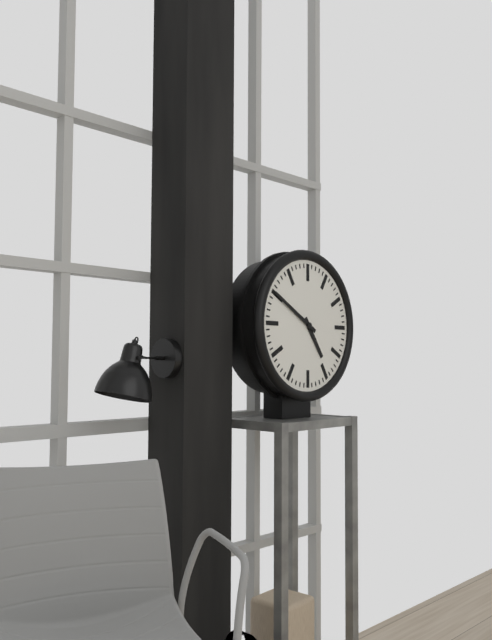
h=4 m=50
